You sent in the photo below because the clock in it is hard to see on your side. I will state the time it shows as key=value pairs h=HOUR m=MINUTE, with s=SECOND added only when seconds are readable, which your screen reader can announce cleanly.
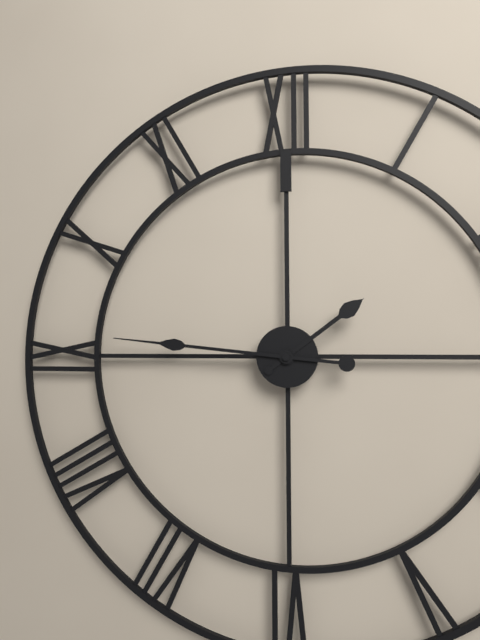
h=1 m=46
